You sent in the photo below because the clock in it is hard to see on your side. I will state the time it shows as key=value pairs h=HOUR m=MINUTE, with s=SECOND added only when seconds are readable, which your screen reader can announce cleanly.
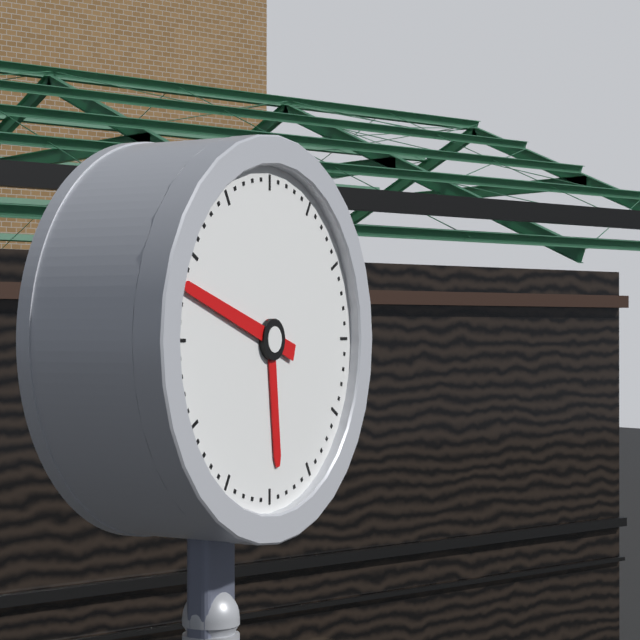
h=5 m=48
